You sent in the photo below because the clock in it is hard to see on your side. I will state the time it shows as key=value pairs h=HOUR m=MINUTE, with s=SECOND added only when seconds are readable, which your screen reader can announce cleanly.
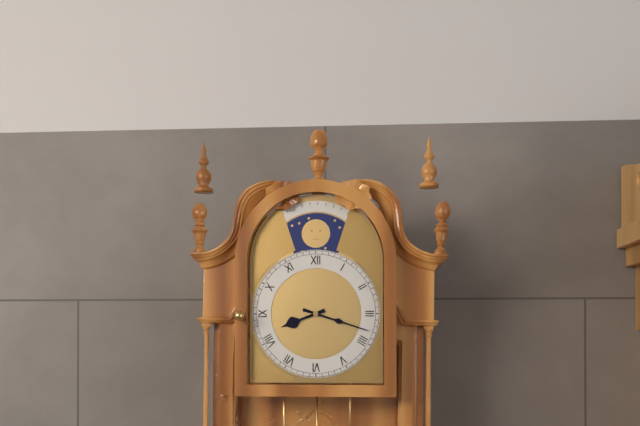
h=8 m=18
